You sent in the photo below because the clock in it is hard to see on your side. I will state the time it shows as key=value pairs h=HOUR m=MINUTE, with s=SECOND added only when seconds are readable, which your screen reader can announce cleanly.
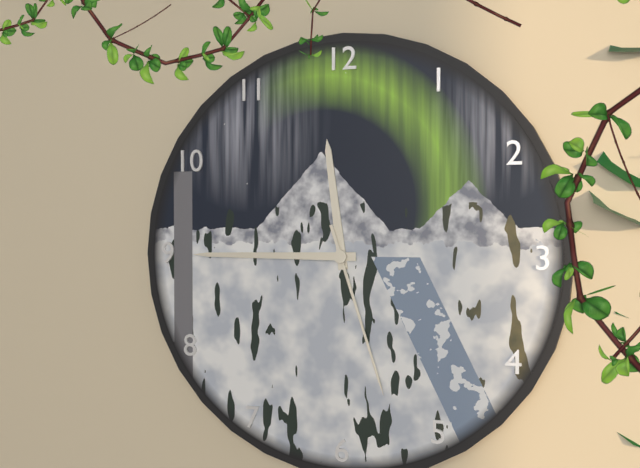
h=11 m=45 s=27
